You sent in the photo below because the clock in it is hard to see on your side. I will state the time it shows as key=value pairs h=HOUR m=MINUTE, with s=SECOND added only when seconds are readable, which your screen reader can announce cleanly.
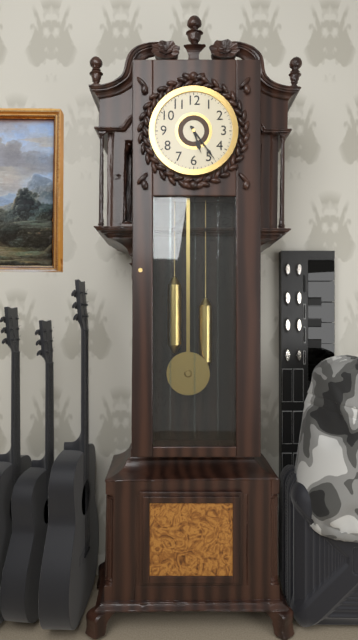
h=5 m=24
